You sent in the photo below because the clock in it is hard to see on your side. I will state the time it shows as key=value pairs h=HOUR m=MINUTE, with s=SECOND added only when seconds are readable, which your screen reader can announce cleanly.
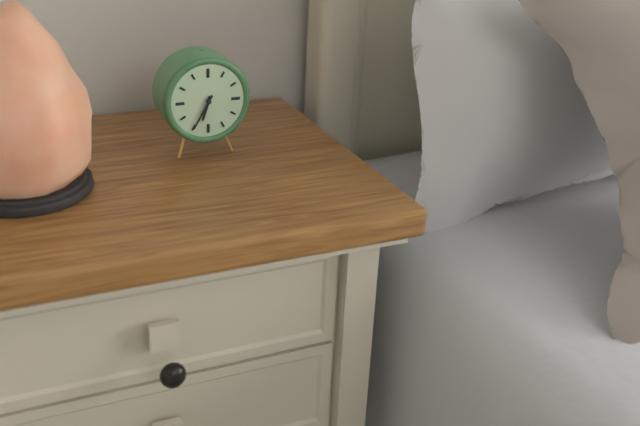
h=6 m=35
